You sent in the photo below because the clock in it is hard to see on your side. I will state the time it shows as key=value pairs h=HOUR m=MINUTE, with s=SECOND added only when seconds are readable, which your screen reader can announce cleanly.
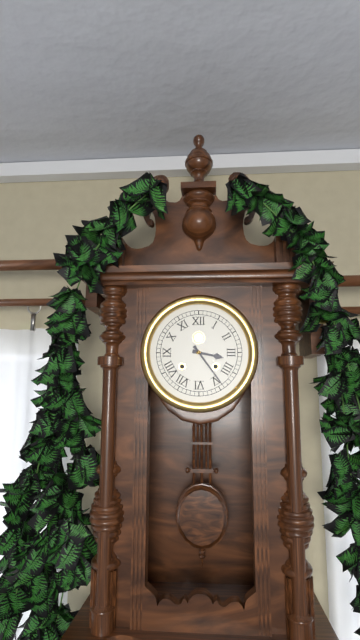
h=3 m=24
